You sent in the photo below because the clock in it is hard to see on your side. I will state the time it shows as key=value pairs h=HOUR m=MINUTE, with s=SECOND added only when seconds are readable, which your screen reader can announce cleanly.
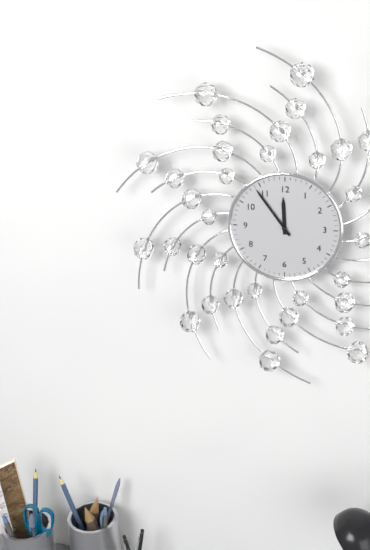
h=11 m=54
